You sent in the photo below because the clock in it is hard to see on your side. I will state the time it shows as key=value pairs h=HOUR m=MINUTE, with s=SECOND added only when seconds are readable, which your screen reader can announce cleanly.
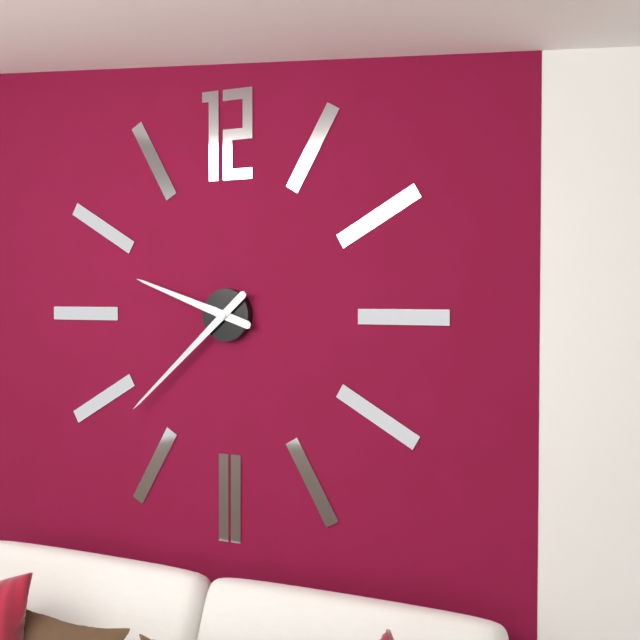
h=9 m=38
